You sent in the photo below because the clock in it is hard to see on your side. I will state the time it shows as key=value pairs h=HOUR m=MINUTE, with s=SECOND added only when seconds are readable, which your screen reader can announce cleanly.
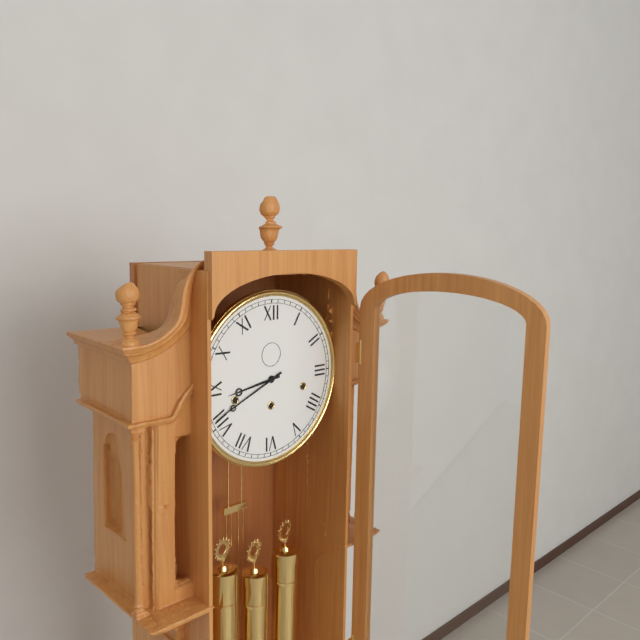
h=8 m=41
